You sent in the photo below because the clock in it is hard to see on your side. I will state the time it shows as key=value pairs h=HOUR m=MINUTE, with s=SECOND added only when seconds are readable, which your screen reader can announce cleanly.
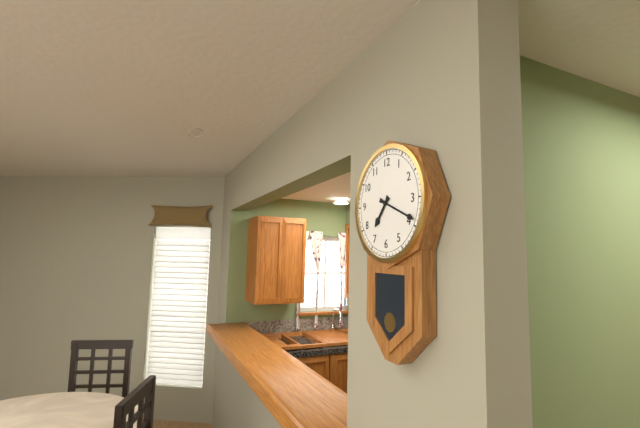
h=7 m=19
